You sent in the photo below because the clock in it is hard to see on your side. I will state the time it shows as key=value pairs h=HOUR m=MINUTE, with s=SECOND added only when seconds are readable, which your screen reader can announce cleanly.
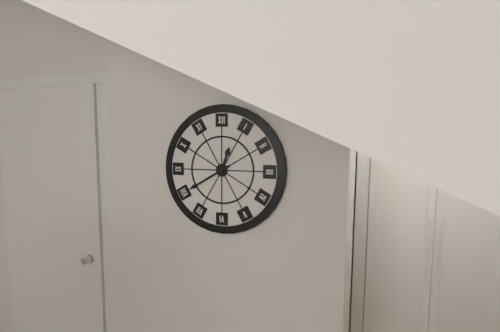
h=12 m=40
